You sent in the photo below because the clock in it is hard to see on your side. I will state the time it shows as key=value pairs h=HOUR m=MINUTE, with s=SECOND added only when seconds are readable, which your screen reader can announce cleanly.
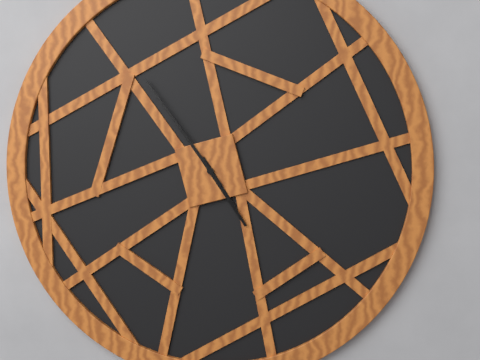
h=4 m=54
